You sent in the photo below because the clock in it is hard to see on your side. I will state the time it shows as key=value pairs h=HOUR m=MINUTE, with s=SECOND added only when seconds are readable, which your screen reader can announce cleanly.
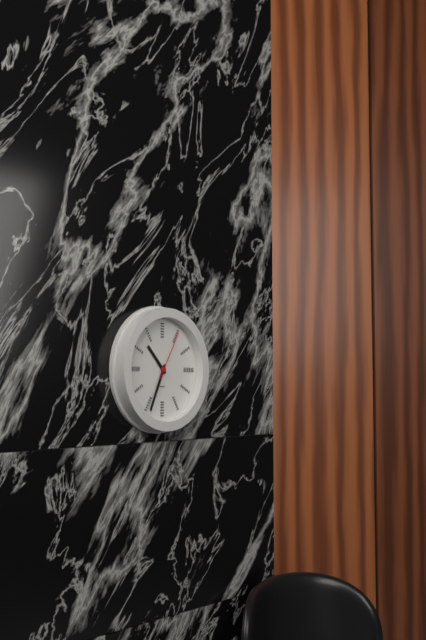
h=10 m=34
